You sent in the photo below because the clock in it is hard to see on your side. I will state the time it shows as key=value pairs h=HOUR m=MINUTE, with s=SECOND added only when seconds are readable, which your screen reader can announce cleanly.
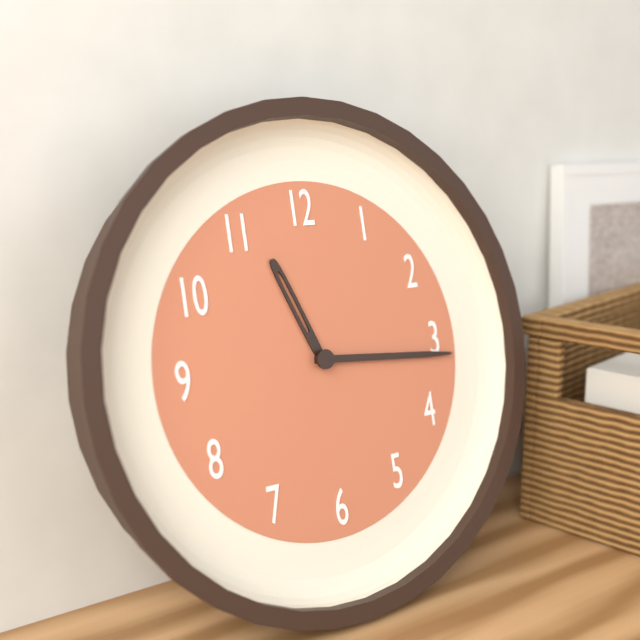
h=11 m=16
